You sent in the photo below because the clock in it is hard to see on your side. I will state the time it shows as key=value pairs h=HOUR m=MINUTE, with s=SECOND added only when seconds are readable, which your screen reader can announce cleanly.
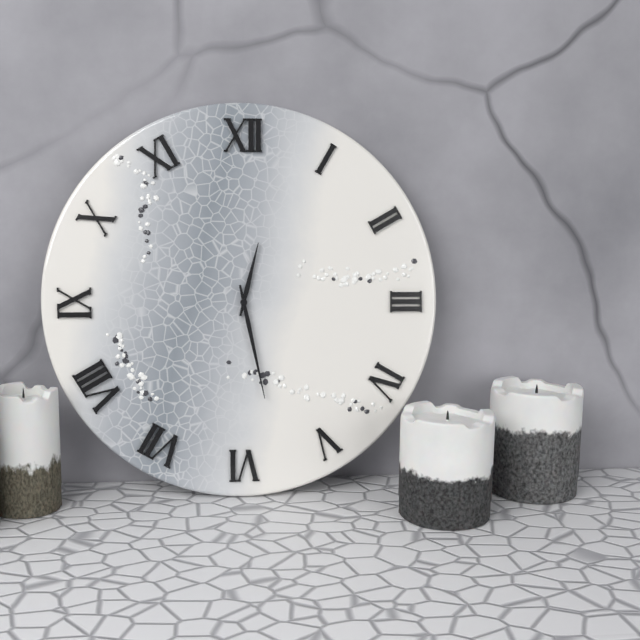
h=12 m=28
